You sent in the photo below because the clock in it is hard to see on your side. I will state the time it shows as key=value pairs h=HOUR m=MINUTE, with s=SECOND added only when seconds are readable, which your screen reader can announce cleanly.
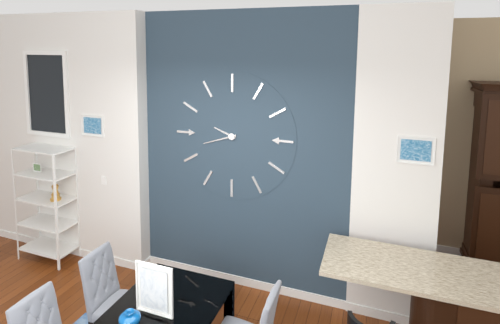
h=9 m=42
